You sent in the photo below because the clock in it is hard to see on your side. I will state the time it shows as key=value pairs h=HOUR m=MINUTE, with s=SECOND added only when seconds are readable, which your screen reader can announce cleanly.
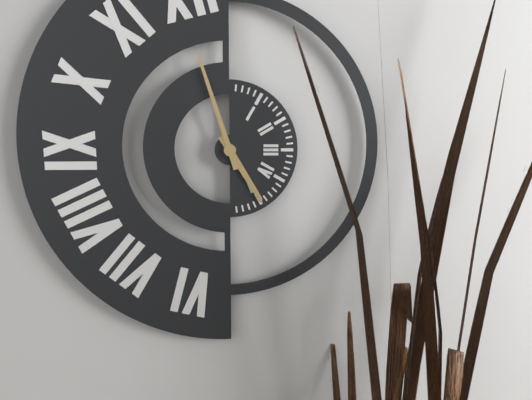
h=4 m=57
